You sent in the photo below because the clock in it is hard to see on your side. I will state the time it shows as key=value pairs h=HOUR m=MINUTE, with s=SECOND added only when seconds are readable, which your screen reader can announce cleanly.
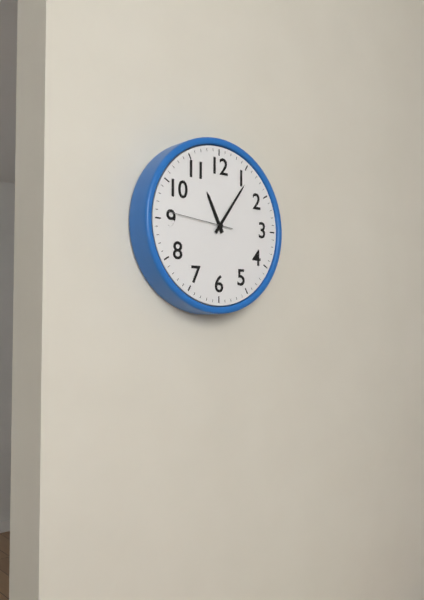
h=11 m=6 s=46
